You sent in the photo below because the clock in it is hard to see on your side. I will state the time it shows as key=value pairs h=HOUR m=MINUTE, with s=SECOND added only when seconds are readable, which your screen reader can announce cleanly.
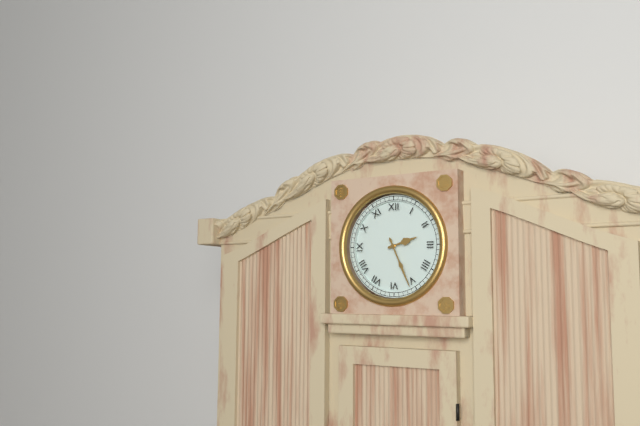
h=2 m=26
